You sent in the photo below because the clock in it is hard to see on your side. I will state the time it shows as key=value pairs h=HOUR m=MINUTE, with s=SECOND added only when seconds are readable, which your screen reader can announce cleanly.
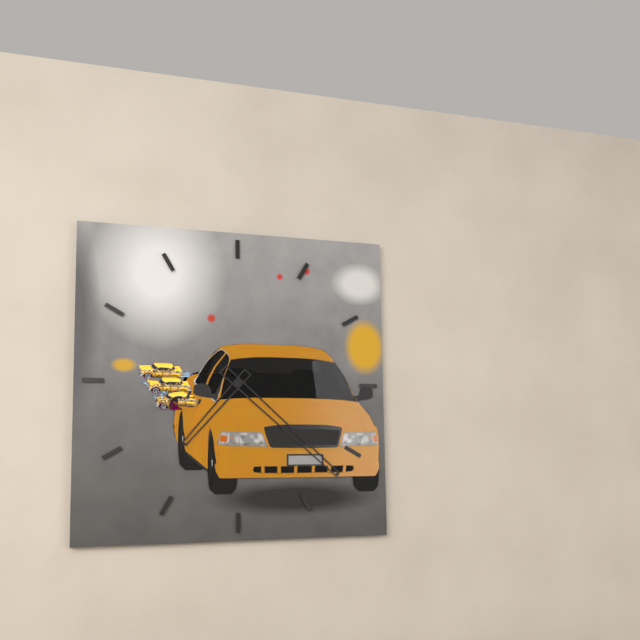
h=7 m=22
